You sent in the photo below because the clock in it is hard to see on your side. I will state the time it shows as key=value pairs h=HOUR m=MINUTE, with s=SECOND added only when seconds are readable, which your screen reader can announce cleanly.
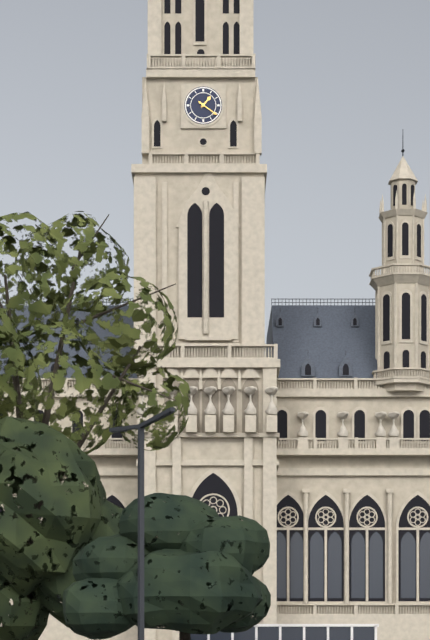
h=1 m=21
